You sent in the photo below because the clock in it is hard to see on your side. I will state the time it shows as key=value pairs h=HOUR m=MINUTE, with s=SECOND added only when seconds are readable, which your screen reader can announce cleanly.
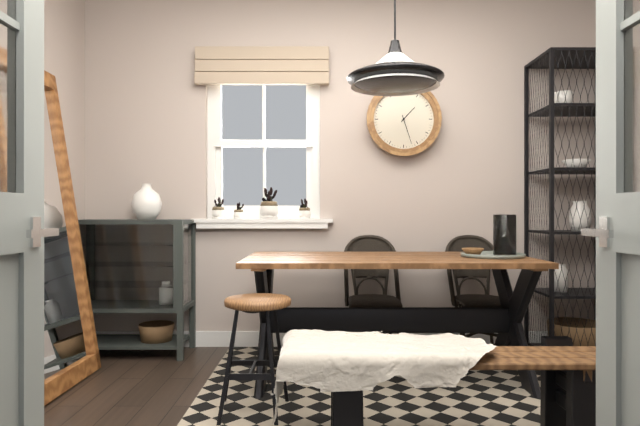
h=1 m=27
